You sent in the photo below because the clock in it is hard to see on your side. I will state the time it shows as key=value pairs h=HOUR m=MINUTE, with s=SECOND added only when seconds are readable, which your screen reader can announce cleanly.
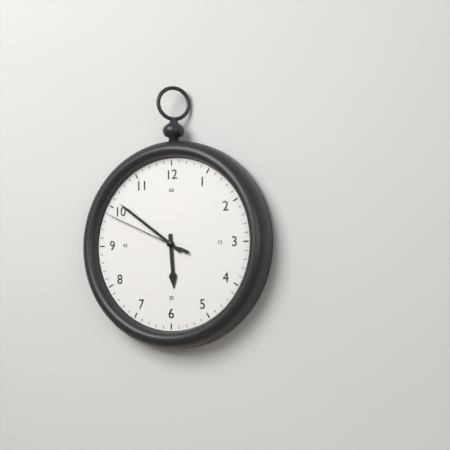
h=5 m=51 s=49
